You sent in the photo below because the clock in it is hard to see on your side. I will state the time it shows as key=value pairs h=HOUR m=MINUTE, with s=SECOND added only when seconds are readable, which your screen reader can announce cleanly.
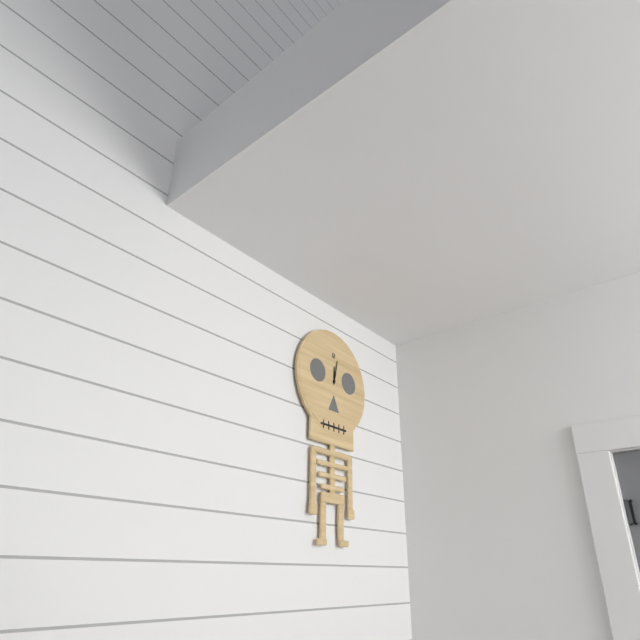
h=12 m=2
